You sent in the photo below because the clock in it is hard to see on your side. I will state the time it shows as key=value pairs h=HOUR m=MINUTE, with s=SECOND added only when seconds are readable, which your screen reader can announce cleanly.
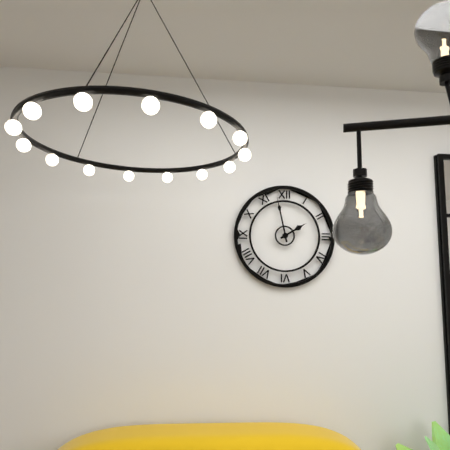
h=1 m=58
